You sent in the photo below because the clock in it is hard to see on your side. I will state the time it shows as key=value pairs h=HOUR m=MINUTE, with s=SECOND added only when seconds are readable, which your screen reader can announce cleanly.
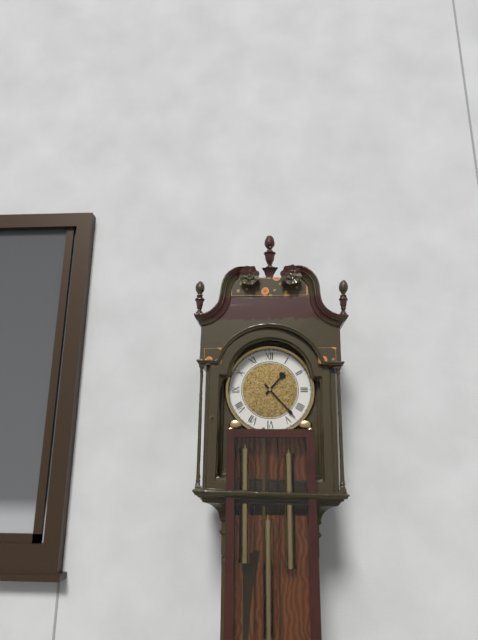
h=1 m=23
